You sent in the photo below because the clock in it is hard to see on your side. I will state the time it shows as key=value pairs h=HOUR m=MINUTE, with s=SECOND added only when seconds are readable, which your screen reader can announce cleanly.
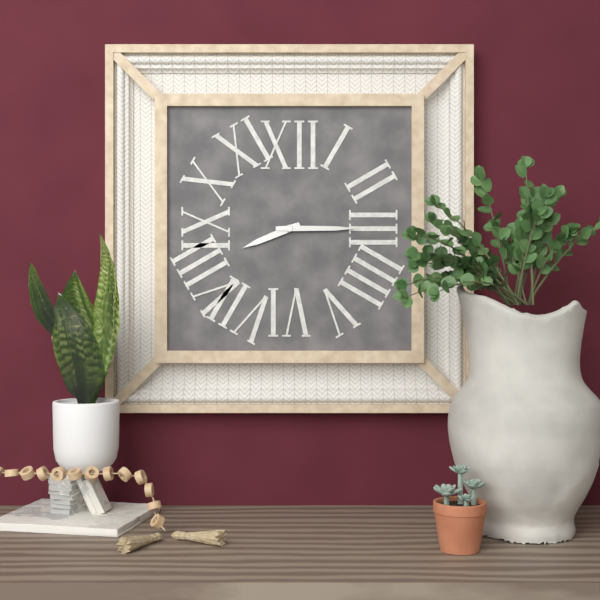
h=8 m=15
